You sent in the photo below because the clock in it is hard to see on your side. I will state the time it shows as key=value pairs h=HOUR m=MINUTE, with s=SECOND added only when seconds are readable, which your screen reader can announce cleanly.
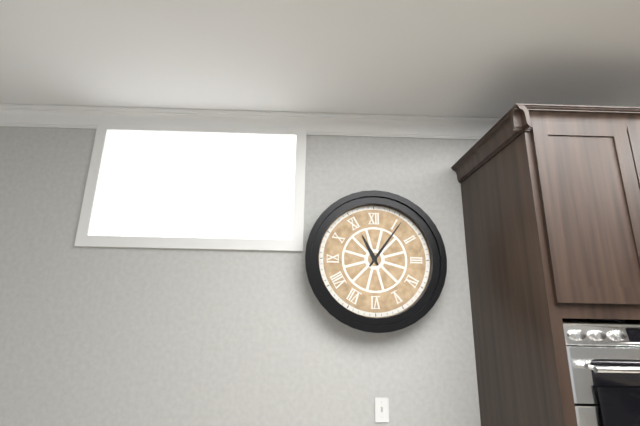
h=11 m=6
